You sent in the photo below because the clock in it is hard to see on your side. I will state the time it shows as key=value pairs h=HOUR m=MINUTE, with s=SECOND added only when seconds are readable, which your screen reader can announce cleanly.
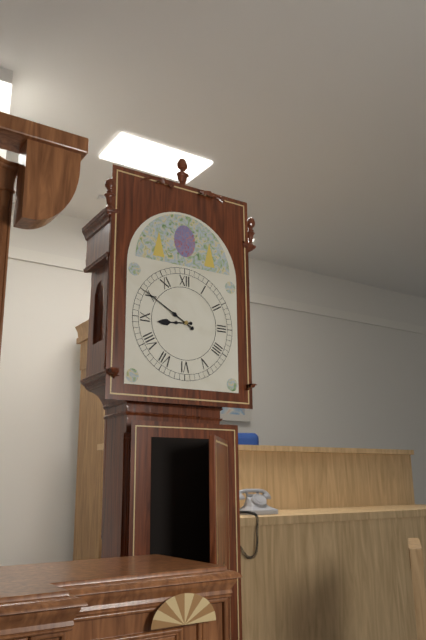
h=8 m=50
